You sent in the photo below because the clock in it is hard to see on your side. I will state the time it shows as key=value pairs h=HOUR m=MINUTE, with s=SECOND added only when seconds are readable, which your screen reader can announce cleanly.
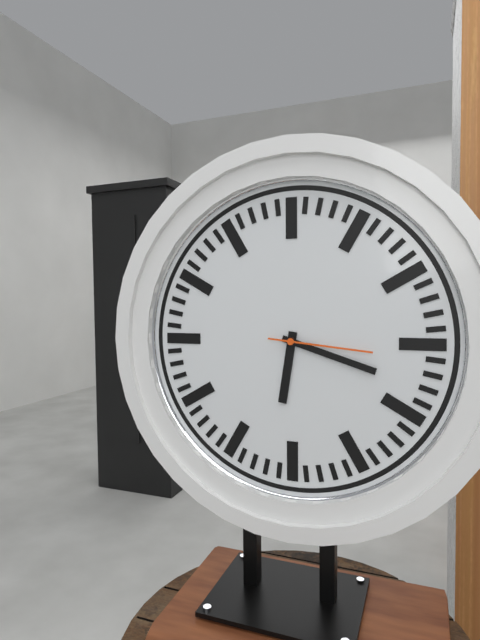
h=6 m=18 s=16
